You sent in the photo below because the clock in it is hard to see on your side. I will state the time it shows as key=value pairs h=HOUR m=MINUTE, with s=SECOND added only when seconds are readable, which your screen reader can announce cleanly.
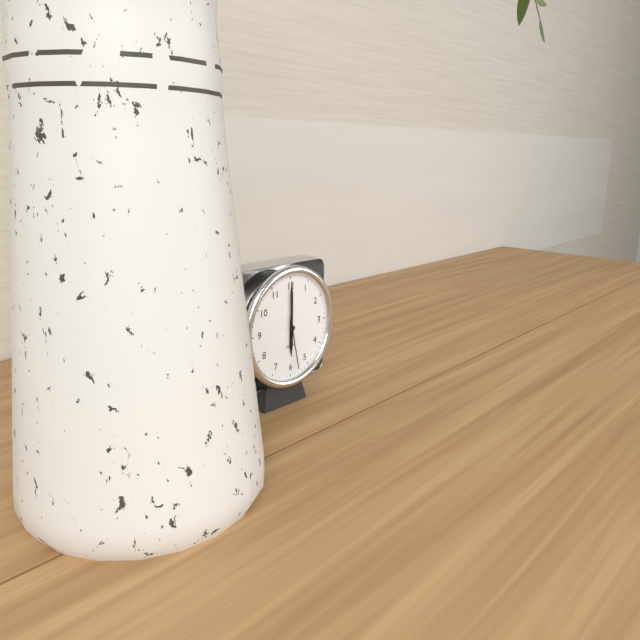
h=6 m=0 s=28
